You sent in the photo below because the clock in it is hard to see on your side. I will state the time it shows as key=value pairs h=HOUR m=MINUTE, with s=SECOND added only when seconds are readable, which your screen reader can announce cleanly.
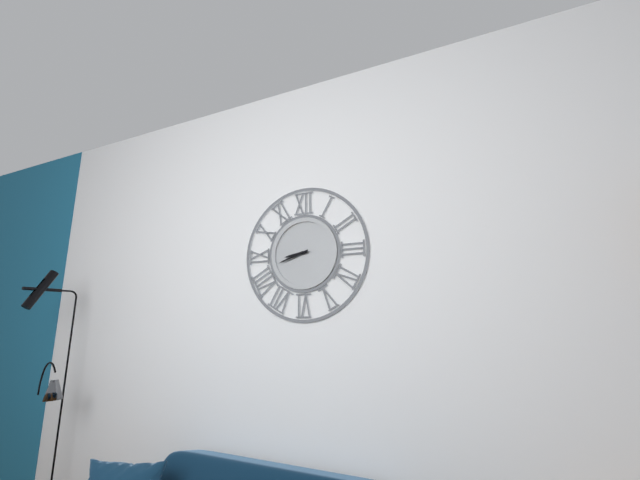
h=8 m=42
